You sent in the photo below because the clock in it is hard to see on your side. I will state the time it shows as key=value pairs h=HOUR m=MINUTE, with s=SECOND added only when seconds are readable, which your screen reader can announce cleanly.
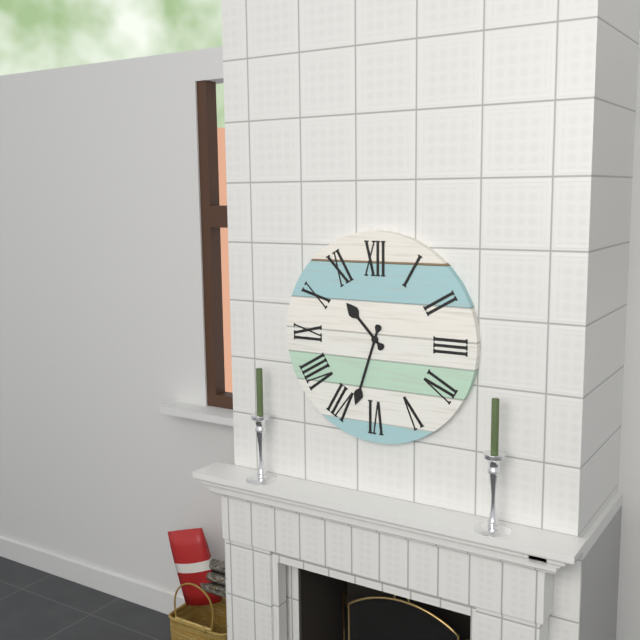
h=10 m=33
